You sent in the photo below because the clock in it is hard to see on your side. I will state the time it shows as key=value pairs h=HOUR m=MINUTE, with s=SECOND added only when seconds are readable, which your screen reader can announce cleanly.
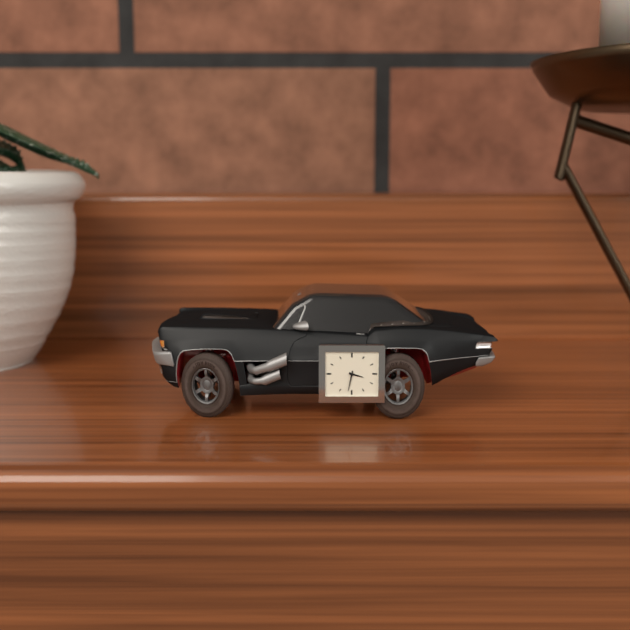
h=3 m=32
